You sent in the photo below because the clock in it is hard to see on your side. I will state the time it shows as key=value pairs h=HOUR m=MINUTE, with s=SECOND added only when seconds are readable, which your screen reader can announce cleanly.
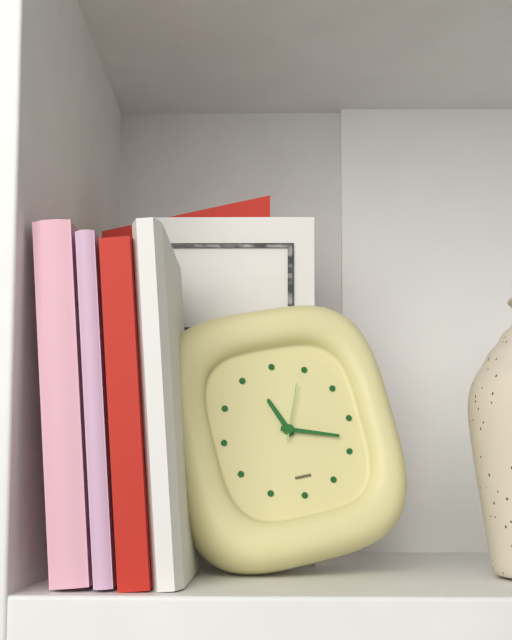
h=11 m=18 s=4
